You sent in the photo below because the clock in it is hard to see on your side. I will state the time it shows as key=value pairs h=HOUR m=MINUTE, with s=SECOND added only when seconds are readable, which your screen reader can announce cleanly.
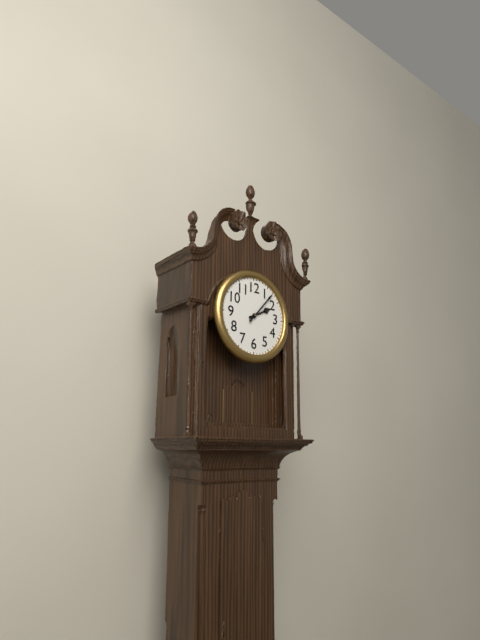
h=2 m=7
